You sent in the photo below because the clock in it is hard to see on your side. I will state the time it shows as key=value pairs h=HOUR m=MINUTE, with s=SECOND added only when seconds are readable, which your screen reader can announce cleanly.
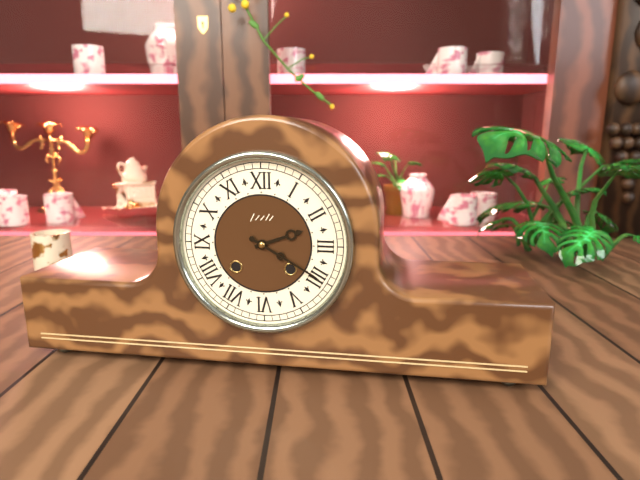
h=2 m=20
